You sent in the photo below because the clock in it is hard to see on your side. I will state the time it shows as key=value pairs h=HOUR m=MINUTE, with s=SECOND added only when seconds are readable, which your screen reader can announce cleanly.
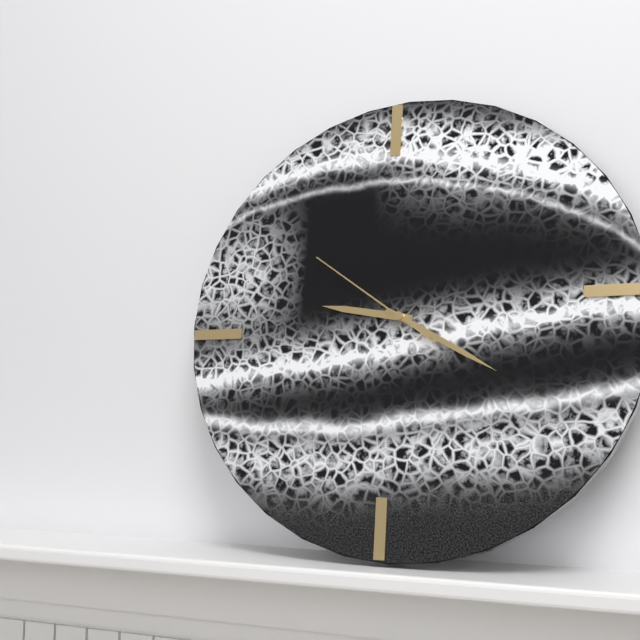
h=9 m=20 s=51
